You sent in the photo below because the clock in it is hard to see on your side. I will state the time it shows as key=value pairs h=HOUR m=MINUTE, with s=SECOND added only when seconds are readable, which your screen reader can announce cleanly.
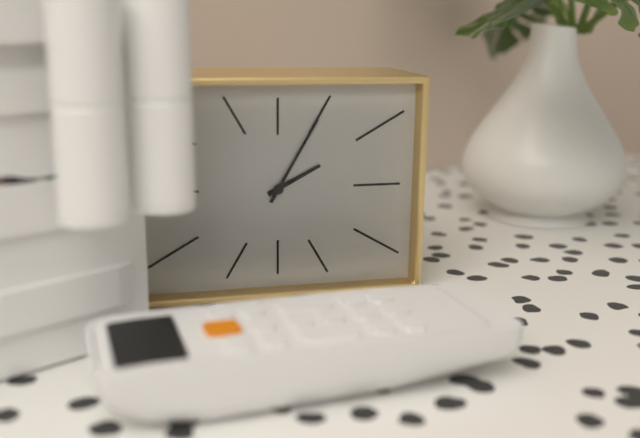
h=2 m=5
